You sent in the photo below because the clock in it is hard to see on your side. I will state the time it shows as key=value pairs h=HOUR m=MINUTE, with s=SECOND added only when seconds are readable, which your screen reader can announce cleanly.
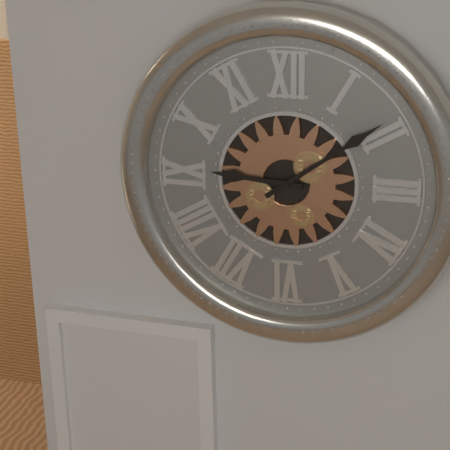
h=9 m=9
